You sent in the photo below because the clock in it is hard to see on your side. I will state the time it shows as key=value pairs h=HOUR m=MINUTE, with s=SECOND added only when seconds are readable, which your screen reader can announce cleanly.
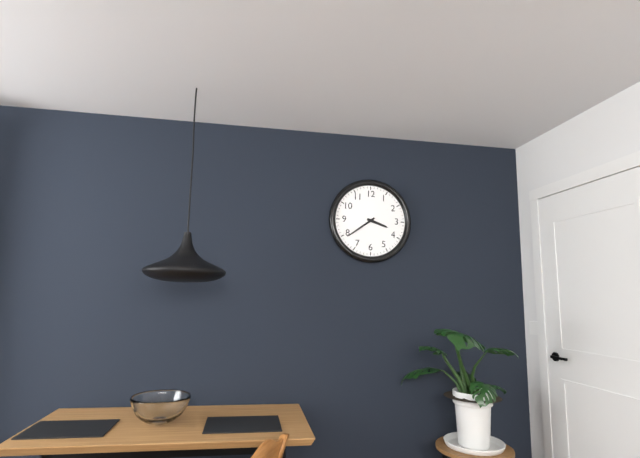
h=3 m=39
